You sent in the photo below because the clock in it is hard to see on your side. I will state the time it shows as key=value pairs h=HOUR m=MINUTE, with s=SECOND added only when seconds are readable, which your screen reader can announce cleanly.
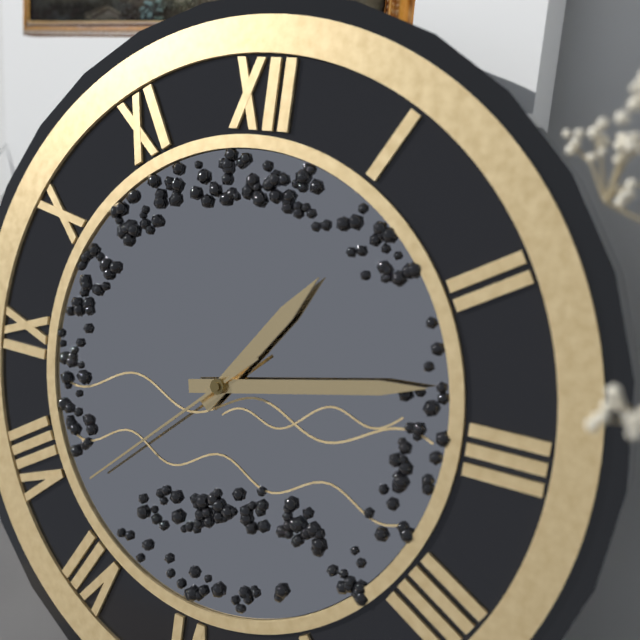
h=1 m=13 s=38
